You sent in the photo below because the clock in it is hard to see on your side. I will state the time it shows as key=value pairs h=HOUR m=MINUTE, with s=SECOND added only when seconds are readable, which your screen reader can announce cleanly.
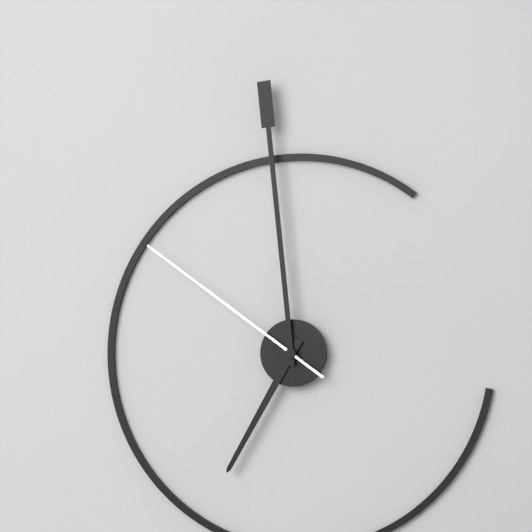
h=6 m=59 s=51
